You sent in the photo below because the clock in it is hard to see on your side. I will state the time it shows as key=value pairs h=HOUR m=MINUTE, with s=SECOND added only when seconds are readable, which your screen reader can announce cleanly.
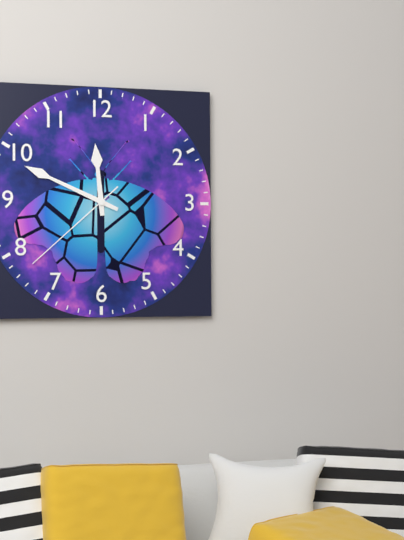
h=11 m=49 s=38
